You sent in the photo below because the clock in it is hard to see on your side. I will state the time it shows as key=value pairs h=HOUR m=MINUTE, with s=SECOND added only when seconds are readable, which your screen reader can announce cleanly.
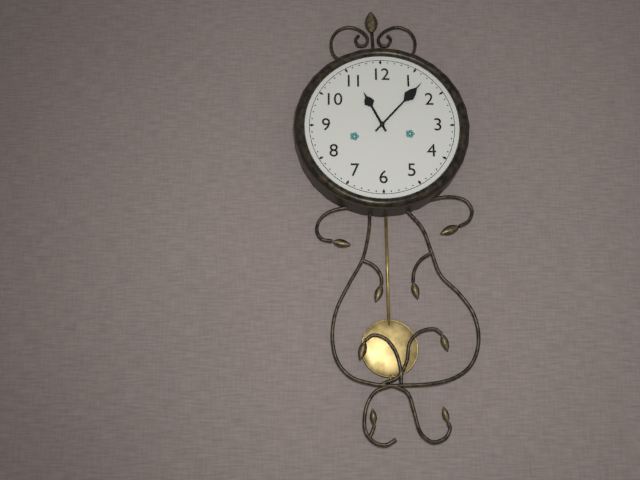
h=11 m=7
